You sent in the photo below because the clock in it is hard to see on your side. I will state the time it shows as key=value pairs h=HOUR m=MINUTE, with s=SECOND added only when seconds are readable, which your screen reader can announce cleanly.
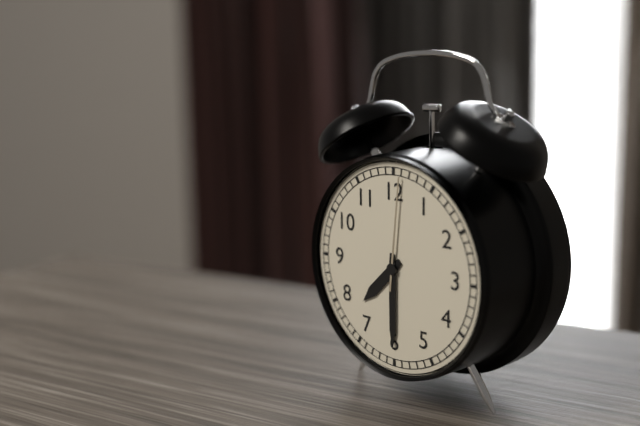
h=7 m=30 s=1
